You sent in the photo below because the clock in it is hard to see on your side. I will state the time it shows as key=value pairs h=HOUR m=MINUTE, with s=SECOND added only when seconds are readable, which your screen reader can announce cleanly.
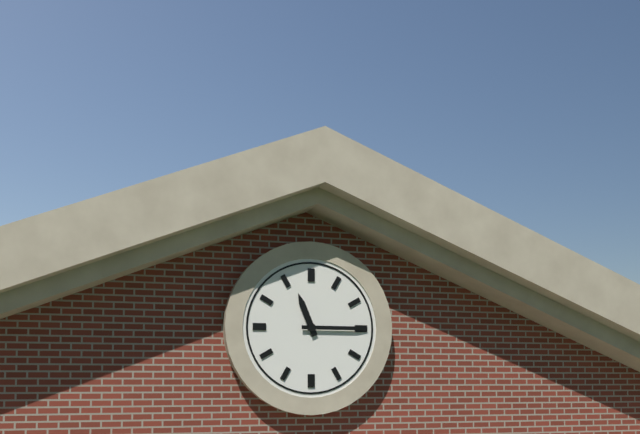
h=11 m=15
